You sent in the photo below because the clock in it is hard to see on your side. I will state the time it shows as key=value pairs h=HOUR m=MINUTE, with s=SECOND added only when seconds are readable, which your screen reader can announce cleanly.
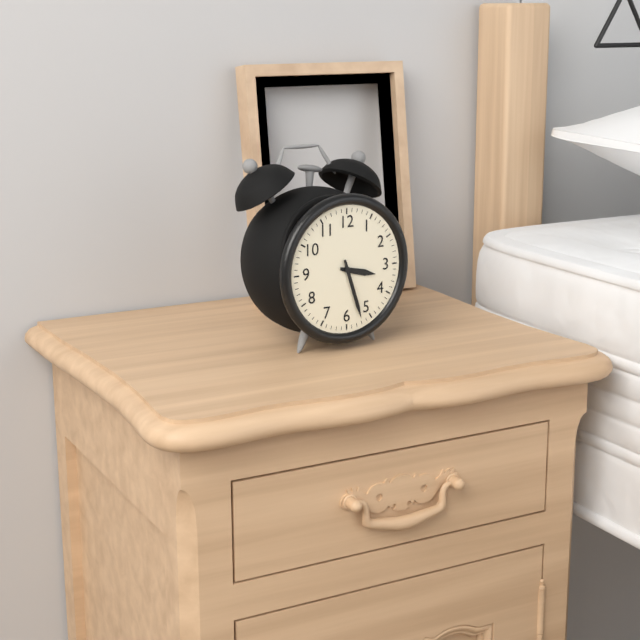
h=3 m=27
